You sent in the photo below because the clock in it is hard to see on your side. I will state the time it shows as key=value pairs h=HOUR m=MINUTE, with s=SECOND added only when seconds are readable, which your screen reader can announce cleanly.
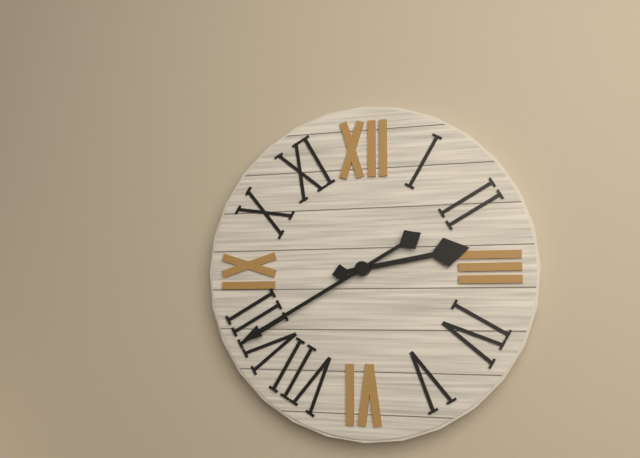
h=2 m=40
